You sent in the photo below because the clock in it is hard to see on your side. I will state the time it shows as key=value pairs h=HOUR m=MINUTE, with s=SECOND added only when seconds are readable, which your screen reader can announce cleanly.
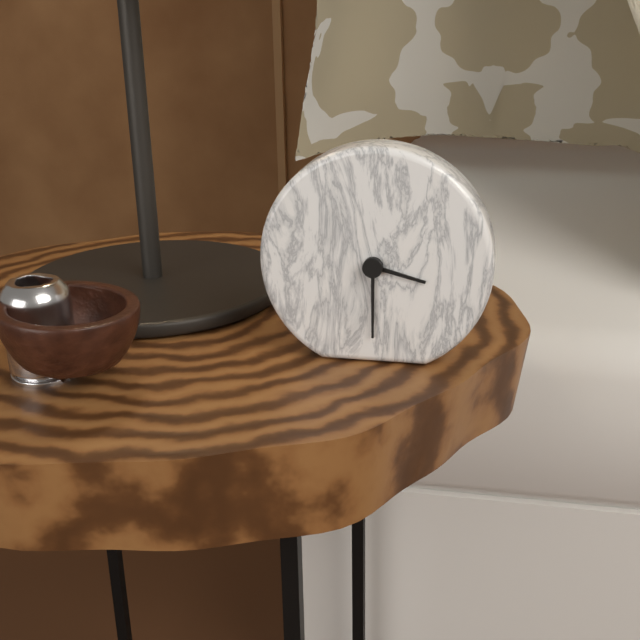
h=3 m=30
